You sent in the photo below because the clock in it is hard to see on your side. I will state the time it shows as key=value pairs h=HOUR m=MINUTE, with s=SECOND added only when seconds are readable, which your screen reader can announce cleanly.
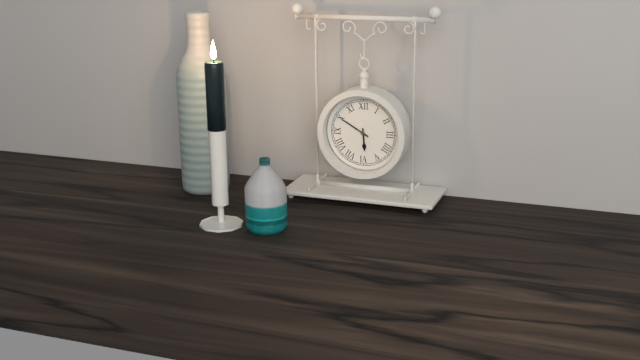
h=5 m=50
